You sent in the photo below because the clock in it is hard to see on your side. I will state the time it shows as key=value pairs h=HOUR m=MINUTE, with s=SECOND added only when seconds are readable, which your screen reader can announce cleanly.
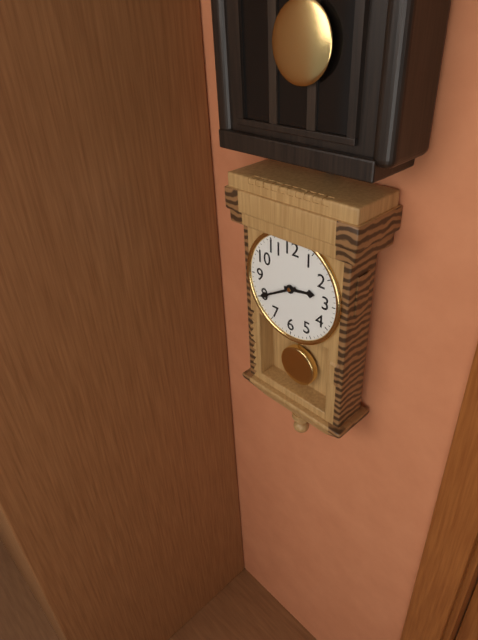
h=2 m=40
